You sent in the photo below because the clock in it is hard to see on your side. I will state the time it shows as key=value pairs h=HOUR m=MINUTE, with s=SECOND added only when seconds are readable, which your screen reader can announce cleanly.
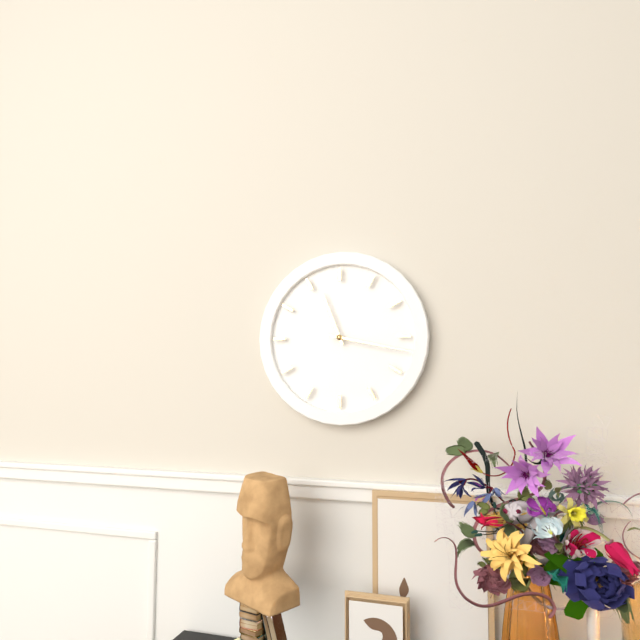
h=11 m=17
